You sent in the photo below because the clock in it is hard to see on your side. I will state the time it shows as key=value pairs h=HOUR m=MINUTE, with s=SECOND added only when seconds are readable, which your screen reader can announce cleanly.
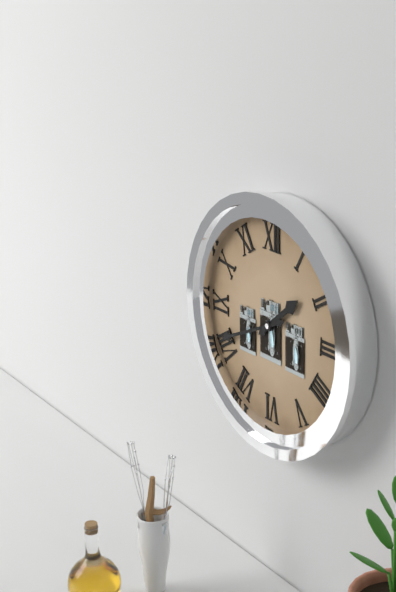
h=1 m=41
